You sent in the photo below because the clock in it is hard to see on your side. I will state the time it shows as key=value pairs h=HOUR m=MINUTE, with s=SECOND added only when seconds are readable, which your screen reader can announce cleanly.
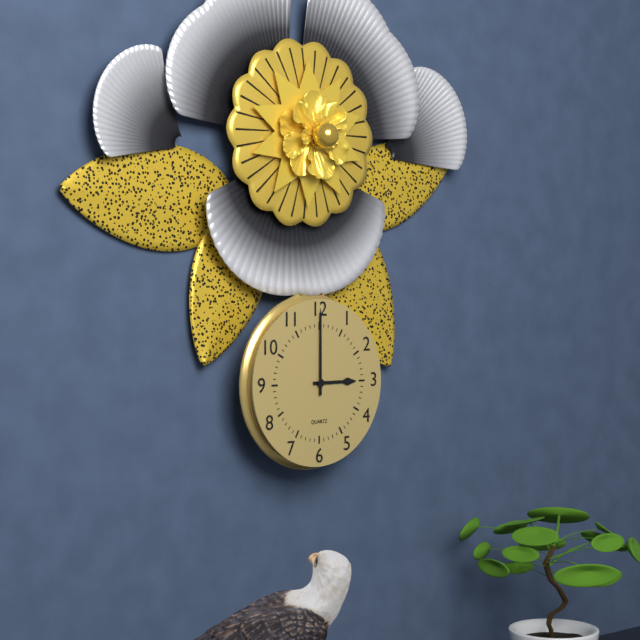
h=3 m=0
